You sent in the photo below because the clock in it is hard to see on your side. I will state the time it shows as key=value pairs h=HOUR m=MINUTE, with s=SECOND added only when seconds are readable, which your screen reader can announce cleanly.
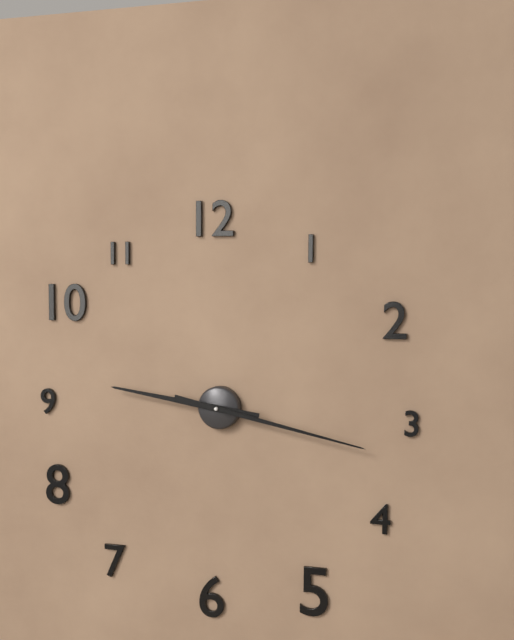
h=9 m=17
